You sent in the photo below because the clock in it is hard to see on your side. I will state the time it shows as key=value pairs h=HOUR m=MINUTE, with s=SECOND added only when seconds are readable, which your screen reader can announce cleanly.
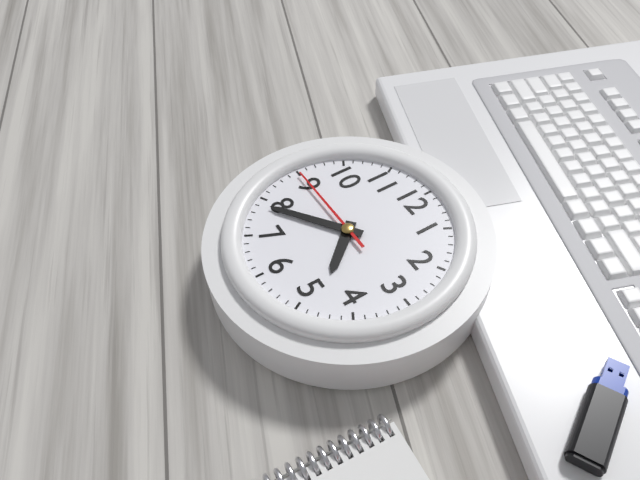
h=4 m=39 s=45
